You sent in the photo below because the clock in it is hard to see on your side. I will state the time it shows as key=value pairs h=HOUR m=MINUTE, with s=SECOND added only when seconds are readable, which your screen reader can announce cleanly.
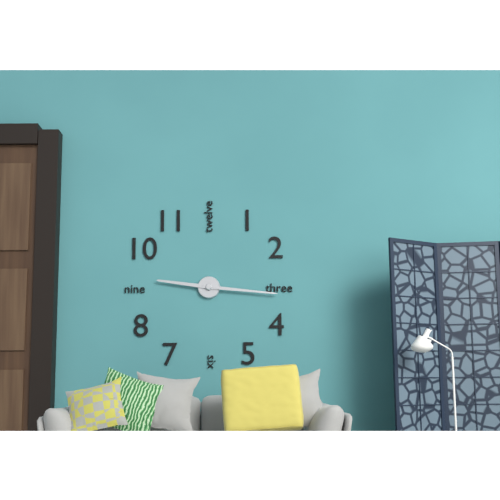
h=9 m=16
